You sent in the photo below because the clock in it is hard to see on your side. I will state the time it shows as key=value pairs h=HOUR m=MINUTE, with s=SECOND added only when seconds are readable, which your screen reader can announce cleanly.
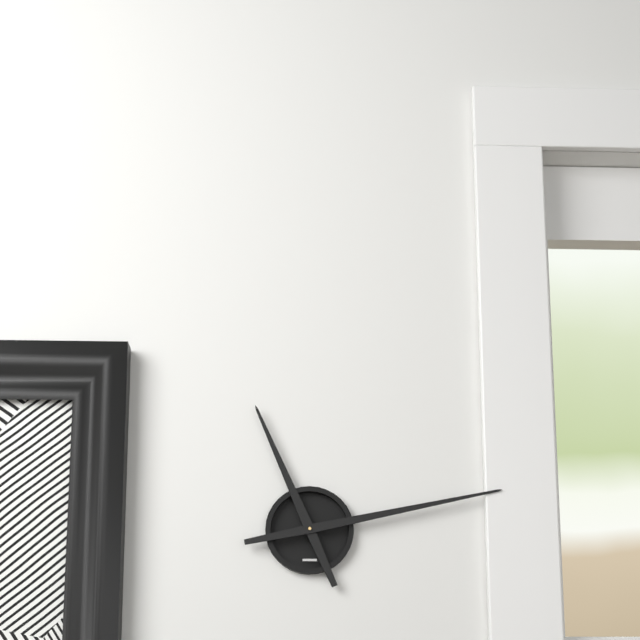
h=11 m=13
